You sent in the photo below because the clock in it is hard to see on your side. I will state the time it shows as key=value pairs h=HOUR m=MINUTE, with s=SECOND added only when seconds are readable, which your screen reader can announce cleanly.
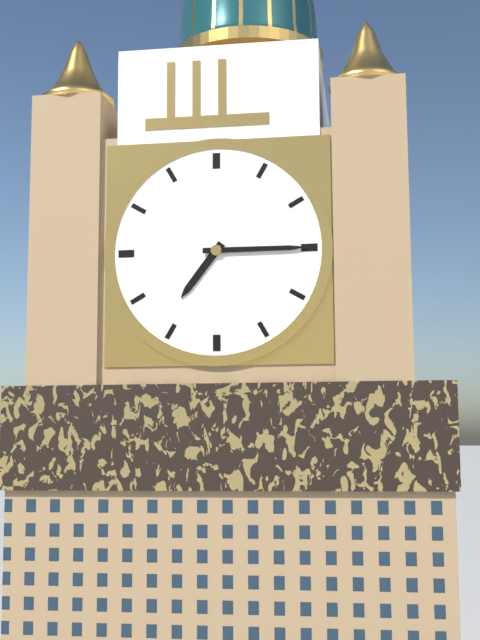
h=7 m=15
